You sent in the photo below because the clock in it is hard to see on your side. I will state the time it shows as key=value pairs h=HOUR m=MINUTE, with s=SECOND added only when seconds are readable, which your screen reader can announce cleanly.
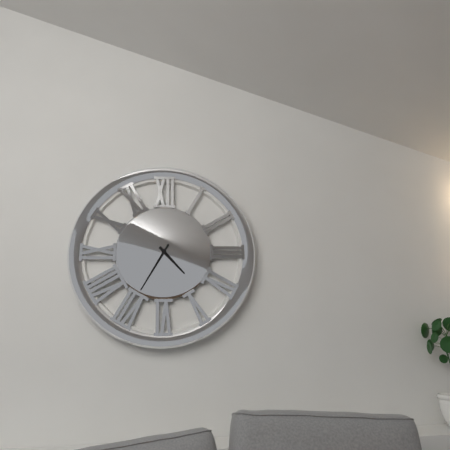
h=4 m=35
